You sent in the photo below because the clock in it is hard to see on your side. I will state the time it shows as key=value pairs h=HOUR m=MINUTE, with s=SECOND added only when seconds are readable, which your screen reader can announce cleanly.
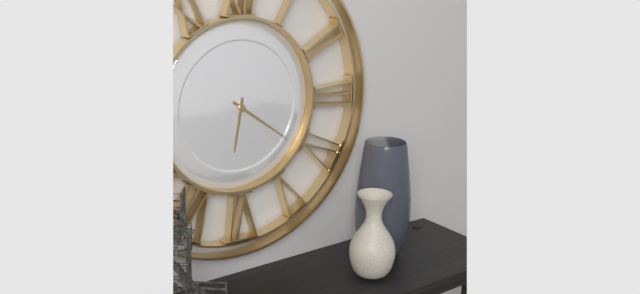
h=6 m=21
